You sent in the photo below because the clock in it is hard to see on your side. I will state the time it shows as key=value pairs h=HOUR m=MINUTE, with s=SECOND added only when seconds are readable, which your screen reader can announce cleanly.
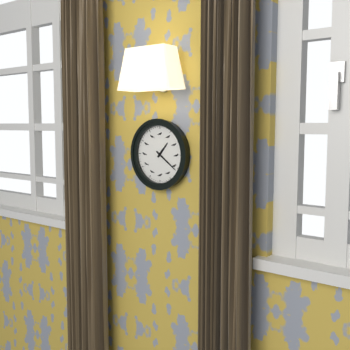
h=1 m=21
